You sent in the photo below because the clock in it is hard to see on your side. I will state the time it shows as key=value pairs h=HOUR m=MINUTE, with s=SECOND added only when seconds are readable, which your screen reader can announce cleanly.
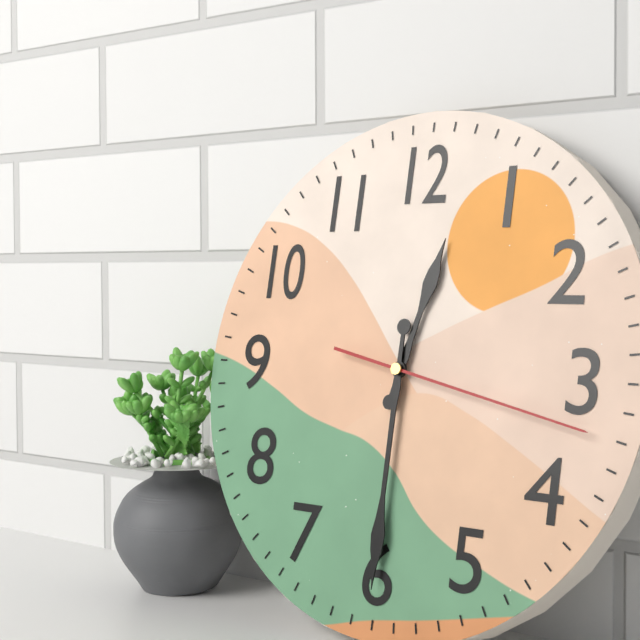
h=12 m=30 s=17
